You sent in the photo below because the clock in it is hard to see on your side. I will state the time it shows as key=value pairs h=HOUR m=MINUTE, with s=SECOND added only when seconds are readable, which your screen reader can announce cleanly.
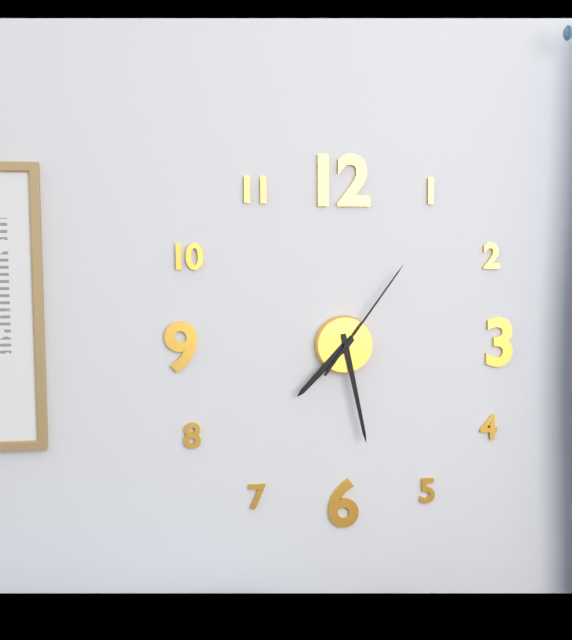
h=7 m=28 s=6
